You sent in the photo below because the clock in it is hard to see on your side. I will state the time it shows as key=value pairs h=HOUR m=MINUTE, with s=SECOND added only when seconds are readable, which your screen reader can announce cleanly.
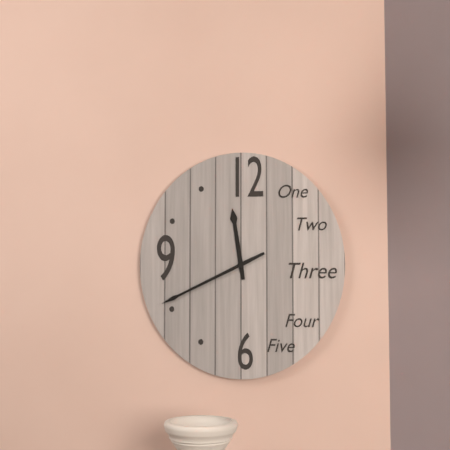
h=11 m=41
